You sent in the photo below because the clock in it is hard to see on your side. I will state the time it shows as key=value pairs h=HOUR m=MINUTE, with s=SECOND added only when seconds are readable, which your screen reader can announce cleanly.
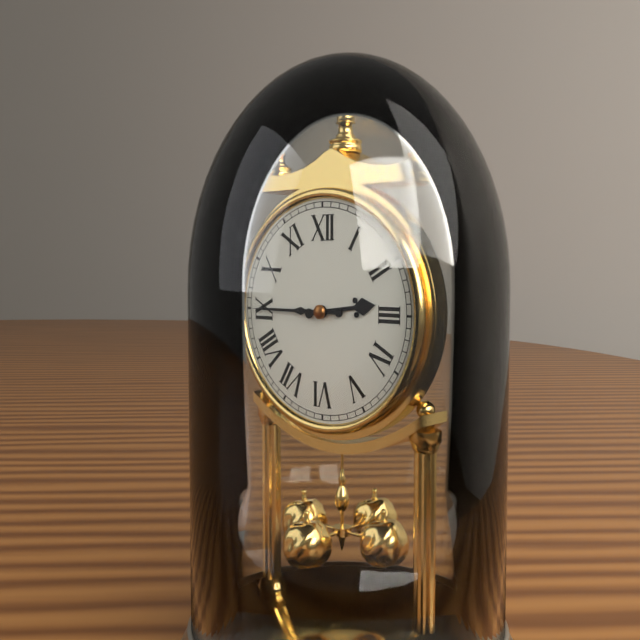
h=2 m=45
